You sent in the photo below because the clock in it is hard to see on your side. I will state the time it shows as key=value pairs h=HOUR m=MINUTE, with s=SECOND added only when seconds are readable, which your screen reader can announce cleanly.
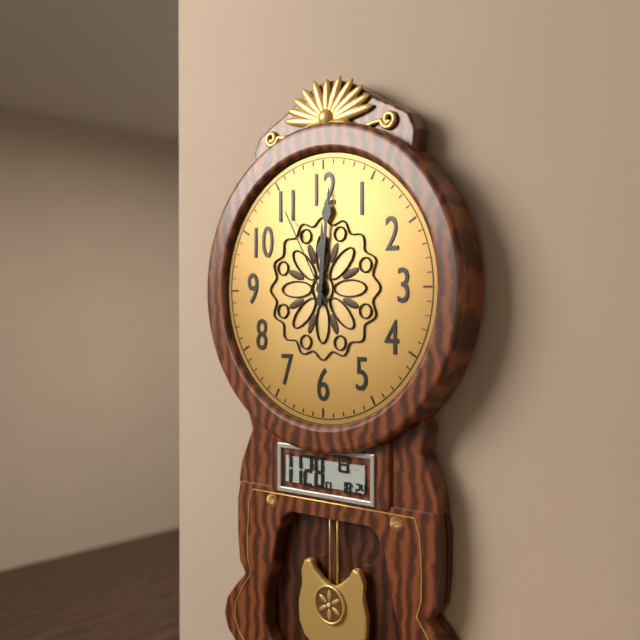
h=12 m=1 s=55
